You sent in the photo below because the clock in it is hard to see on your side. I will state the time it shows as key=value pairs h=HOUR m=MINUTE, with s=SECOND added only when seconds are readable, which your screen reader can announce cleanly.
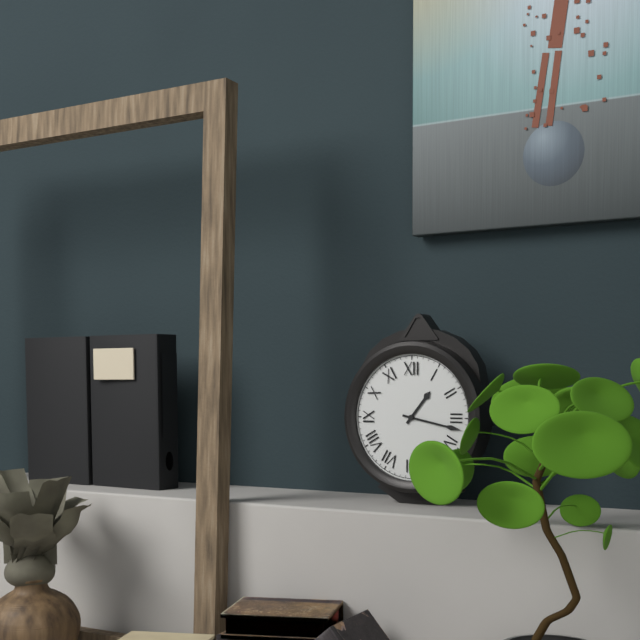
h=1 m=17
